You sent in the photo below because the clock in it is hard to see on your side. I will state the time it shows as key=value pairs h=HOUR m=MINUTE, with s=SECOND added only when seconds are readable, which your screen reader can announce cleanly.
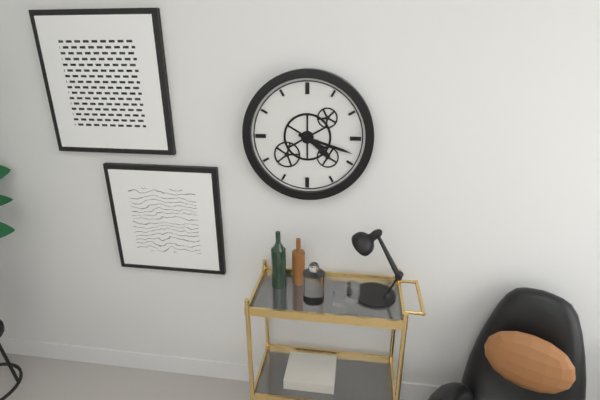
h=4 m=18
